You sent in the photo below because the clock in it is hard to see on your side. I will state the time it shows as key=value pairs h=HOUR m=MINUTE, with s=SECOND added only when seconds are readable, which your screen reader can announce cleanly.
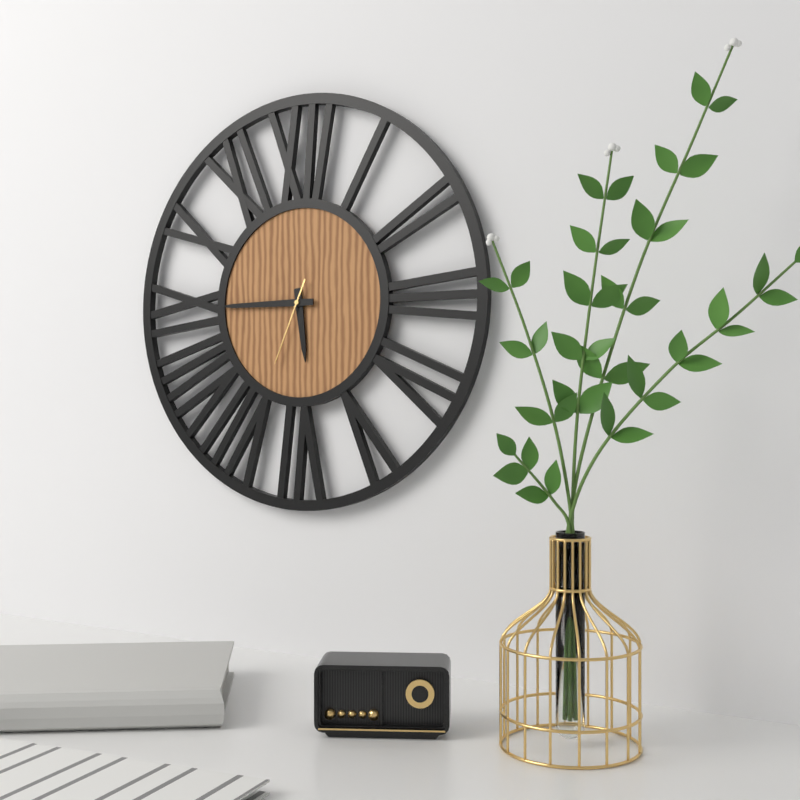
h=5 m=45 s=34
